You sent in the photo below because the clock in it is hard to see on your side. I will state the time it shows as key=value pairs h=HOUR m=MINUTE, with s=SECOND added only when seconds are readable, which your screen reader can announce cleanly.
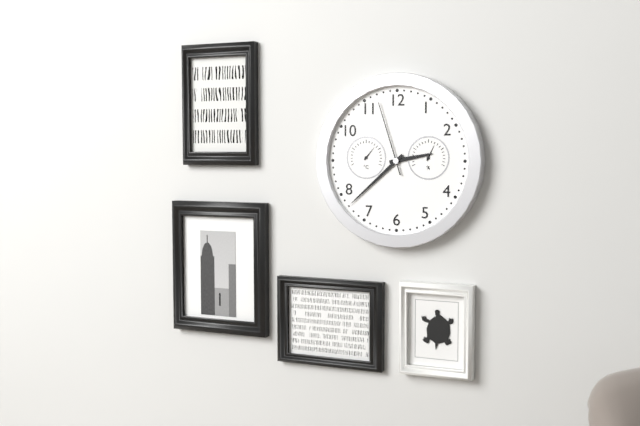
h=2 m=38 s=57
